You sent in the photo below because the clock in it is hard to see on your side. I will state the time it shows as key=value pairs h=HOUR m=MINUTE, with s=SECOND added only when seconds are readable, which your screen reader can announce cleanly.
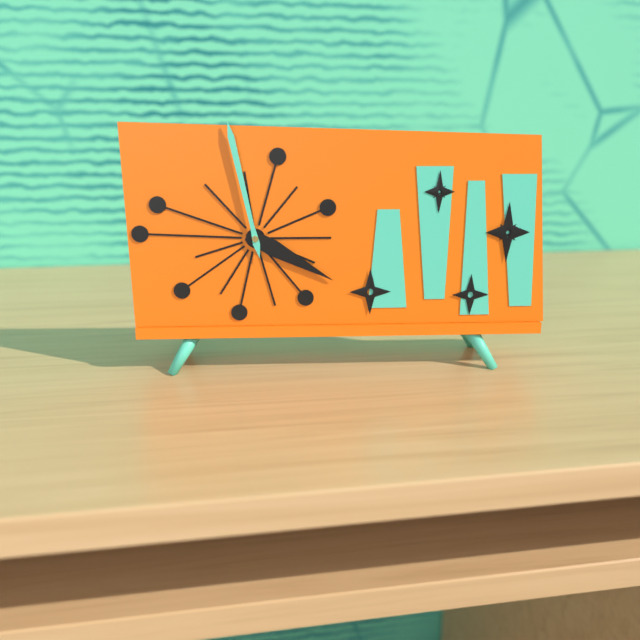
h=3 m=58
